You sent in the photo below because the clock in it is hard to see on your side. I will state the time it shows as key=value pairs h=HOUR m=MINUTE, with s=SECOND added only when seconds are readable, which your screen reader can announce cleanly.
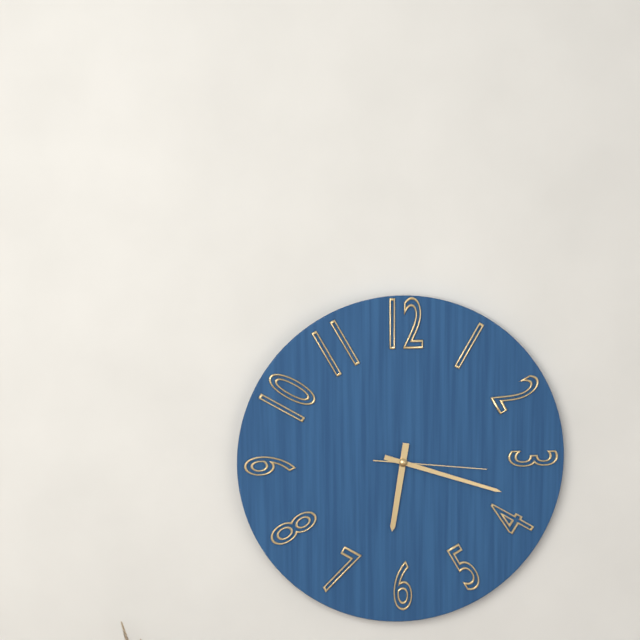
h=6 m=18 s=16
